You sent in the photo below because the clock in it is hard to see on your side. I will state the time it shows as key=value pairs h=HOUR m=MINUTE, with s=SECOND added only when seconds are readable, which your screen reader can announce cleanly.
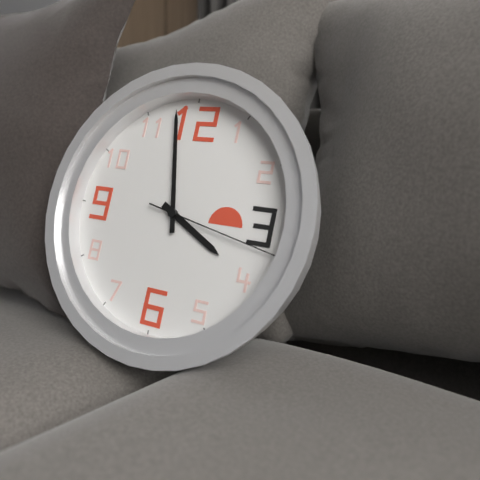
h=3 m=58 s=17
